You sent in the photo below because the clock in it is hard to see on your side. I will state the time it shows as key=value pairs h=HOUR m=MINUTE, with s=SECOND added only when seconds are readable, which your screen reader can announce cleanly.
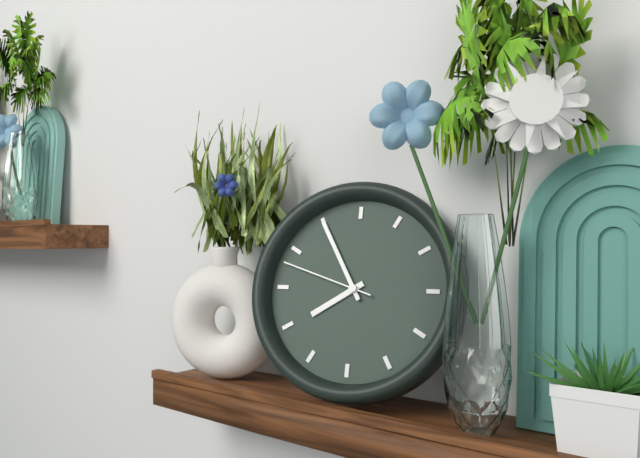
h=7 m=55 s=48
